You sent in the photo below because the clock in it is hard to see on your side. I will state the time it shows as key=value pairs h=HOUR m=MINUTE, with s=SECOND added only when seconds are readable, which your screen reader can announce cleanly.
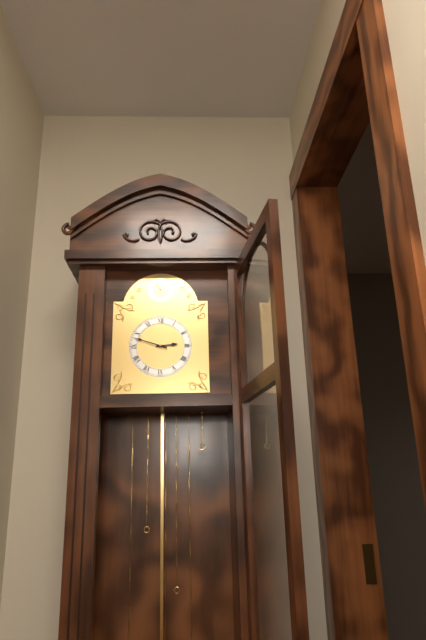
h=2 m=48
